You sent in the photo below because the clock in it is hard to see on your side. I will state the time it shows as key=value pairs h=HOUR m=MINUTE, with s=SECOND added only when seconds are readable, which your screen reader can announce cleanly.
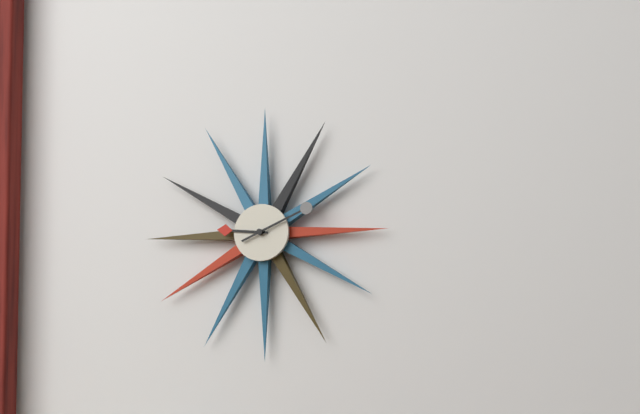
h=9 m=11
